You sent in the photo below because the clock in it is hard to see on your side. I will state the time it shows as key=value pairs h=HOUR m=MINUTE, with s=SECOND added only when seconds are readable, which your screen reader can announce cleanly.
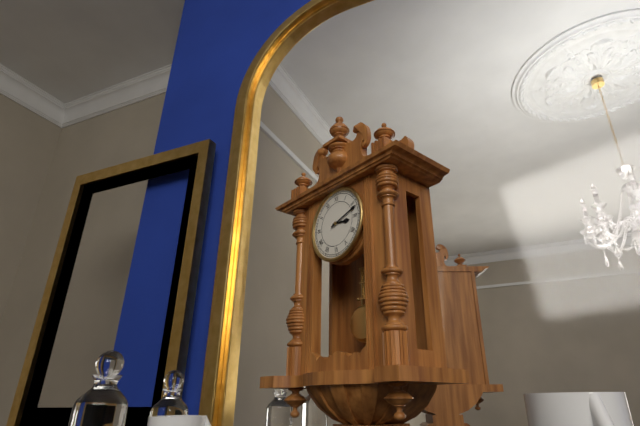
h=3 m=12
